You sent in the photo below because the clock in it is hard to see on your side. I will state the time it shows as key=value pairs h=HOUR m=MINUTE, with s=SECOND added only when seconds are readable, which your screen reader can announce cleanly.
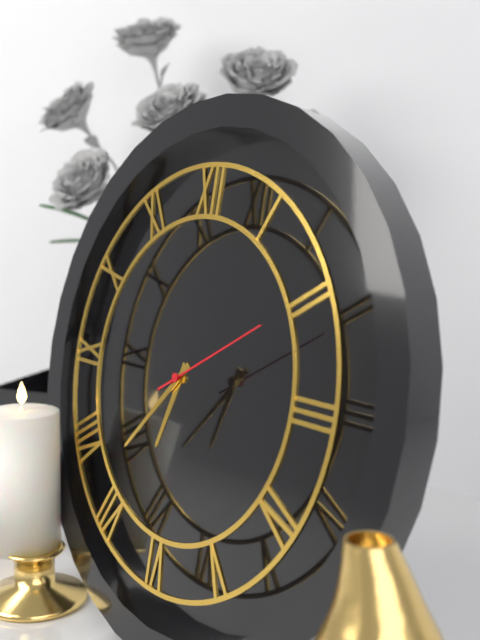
h=6 m=37 s=10
